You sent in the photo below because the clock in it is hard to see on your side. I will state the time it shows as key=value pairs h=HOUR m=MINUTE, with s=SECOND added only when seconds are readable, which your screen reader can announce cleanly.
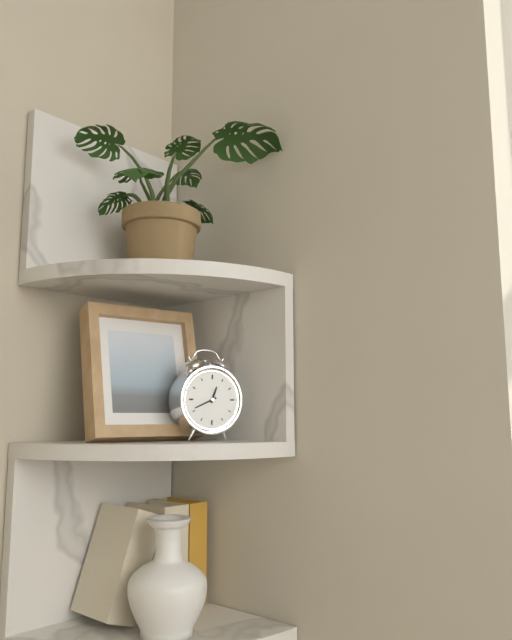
h=12 m=41
